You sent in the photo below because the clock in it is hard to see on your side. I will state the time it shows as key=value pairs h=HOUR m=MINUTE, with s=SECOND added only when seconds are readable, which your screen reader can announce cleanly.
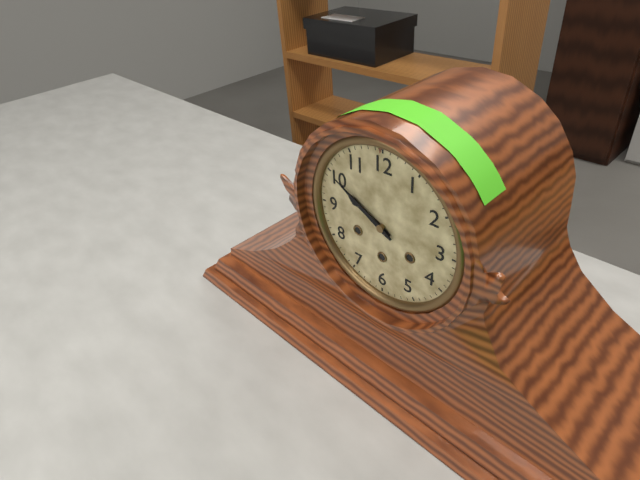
h=9 m=50
